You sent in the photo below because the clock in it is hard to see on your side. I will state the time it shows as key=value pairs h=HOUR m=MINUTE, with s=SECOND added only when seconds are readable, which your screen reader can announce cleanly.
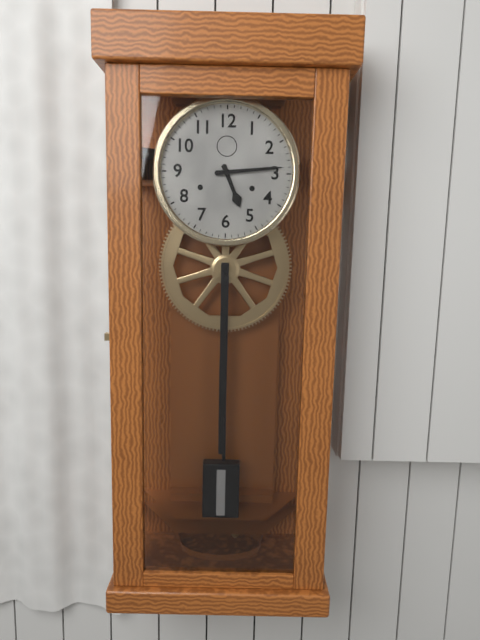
h=5 m=14
